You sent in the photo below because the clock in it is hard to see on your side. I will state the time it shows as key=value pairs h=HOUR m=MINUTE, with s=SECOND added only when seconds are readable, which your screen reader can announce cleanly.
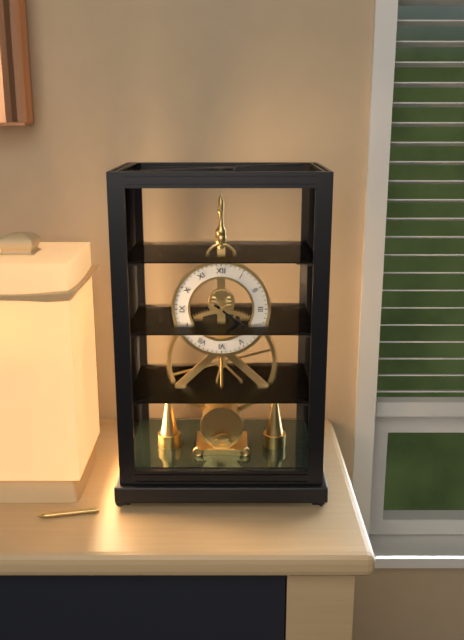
h=4 m=21
